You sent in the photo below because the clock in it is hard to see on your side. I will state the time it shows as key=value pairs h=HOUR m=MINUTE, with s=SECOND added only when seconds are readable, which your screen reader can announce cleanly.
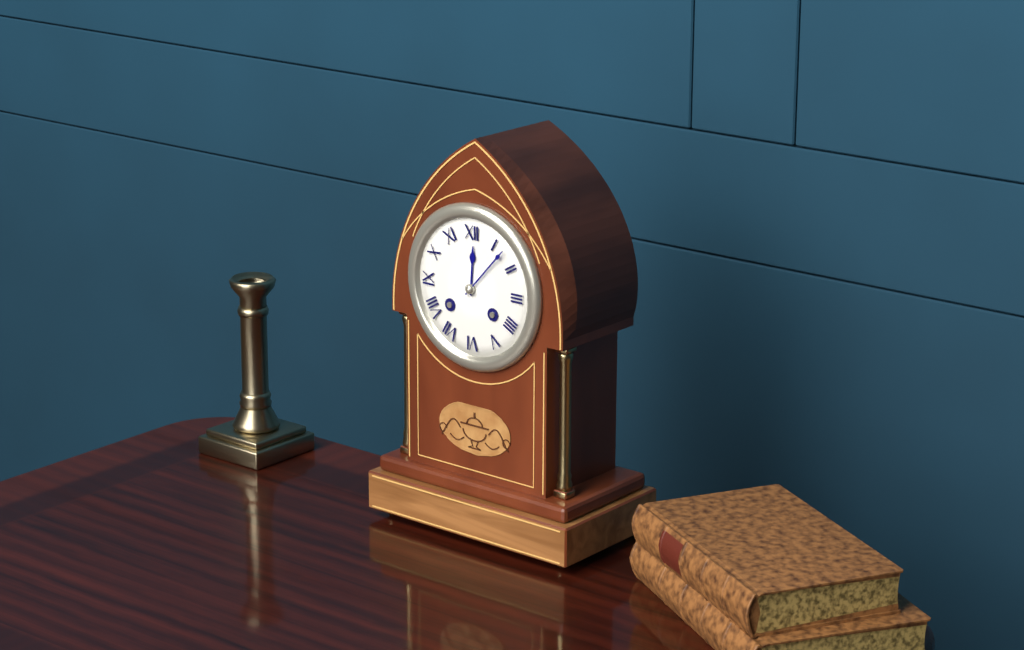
h=12 m=7
